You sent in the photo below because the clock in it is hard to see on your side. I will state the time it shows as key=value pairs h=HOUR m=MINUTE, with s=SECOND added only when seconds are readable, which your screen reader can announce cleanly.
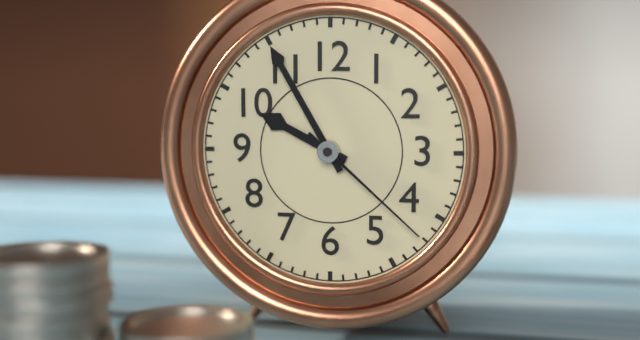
h=9 m=55 s=22
